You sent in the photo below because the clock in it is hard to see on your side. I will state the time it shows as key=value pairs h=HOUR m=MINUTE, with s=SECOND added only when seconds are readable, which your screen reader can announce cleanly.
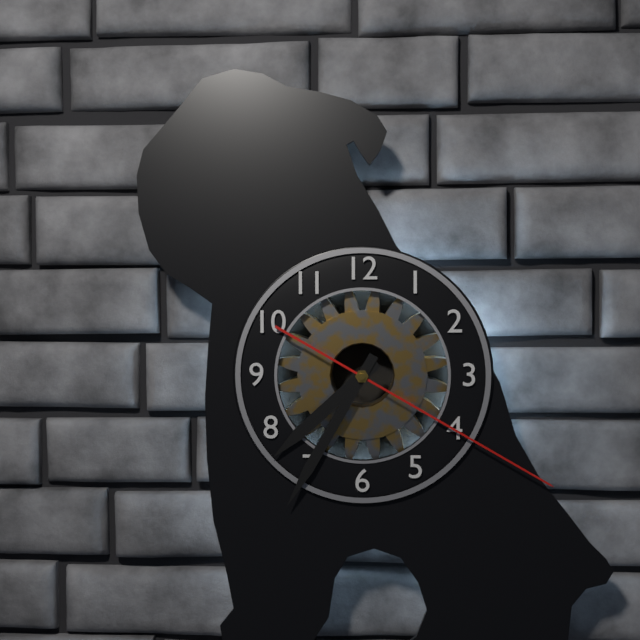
h=7 m=35 s=20
